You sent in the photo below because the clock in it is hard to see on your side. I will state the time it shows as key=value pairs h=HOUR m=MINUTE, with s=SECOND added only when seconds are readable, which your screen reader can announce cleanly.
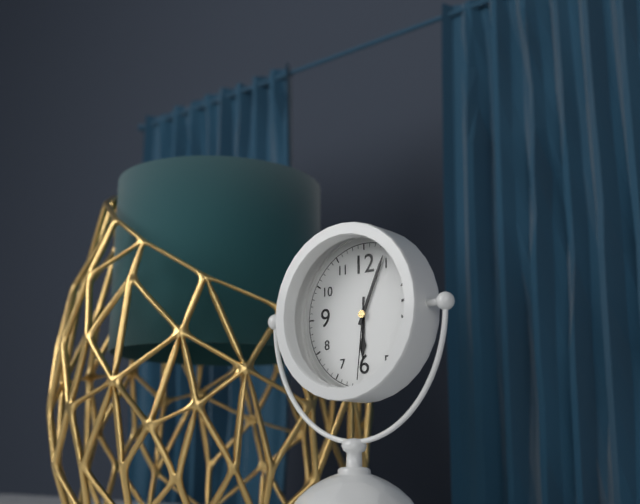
h=6 m=4 s=31
